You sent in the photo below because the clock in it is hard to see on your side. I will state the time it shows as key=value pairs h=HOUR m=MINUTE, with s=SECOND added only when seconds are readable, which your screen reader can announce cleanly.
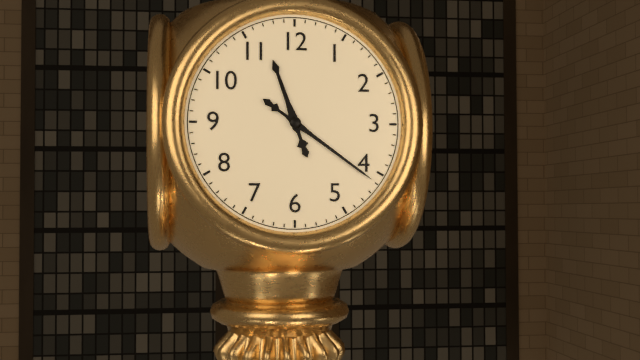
h=11 m=21
